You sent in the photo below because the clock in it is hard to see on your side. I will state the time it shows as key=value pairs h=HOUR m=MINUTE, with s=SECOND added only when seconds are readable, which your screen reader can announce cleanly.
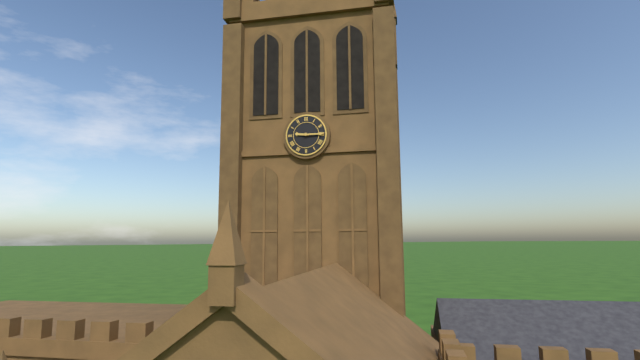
h=9 m=15
